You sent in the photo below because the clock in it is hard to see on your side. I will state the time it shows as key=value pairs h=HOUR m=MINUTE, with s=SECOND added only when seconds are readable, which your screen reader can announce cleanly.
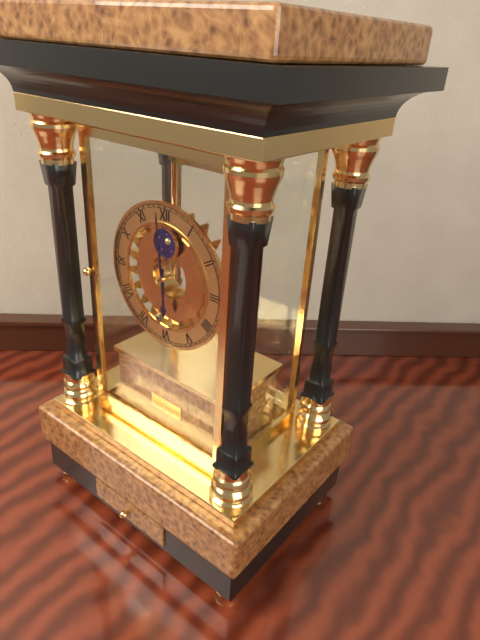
h=5 m=59
